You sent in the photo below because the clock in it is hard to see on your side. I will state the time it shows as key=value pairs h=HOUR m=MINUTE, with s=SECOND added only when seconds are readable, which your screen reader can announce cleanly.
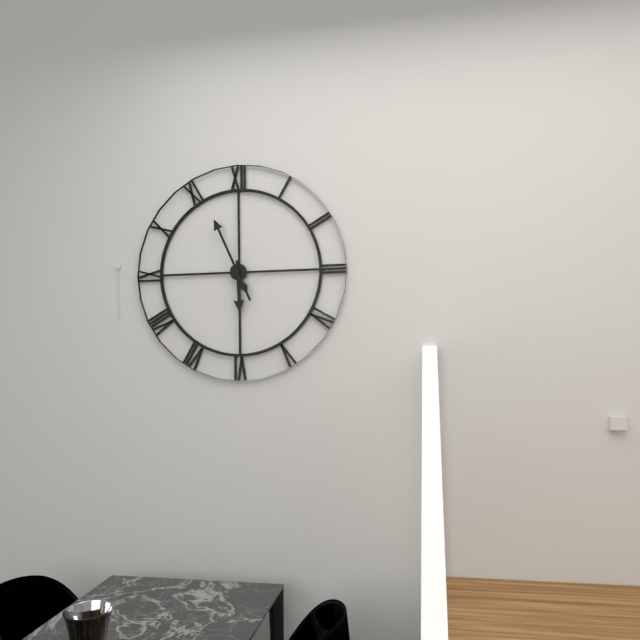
h=5 m=56
